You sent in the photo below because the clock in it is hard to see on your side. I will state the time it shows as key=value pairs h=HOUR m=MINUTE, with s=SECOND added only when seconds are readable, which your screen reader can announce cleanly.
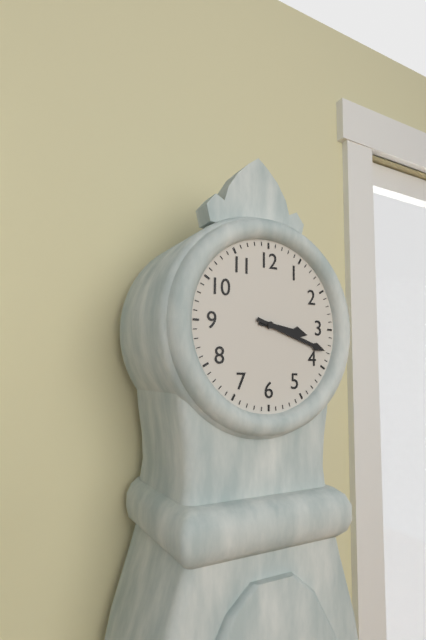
h=3 m=18
